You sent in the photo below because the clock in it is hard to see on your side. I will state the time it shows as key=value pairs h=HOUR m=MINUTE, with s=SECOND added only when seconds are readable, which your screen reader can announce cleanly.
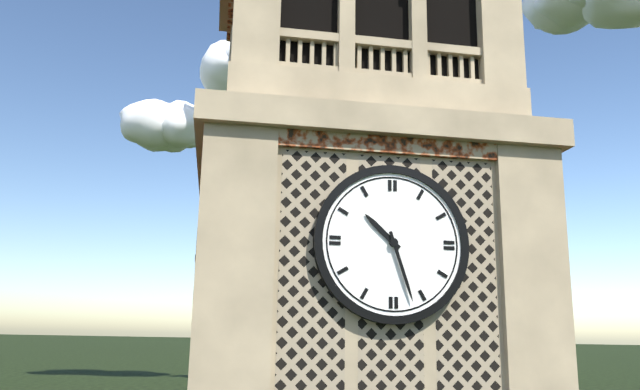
h=10 m=27
